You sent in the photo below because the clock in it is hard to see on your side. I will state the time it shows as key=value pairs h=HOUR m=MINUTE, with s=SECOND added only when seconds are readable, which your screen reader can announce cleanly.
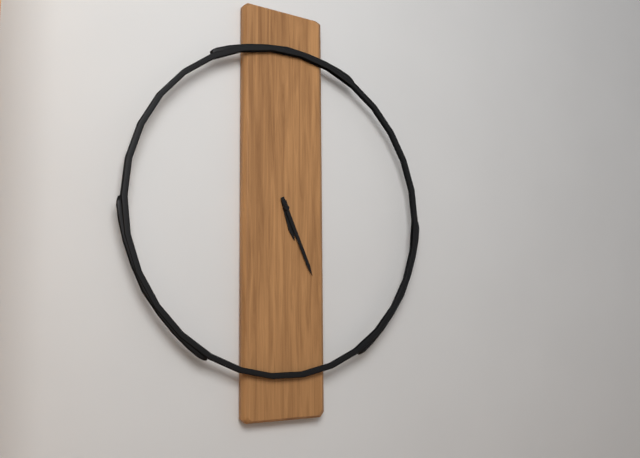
h=5 m=26
